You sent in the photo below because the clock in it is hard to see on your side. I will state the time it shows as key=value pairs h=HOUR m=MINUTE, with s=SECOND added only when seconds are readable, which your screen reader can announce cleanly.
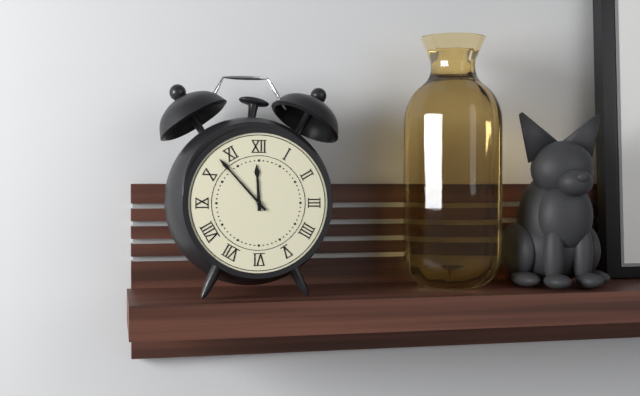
h=11 m=53
